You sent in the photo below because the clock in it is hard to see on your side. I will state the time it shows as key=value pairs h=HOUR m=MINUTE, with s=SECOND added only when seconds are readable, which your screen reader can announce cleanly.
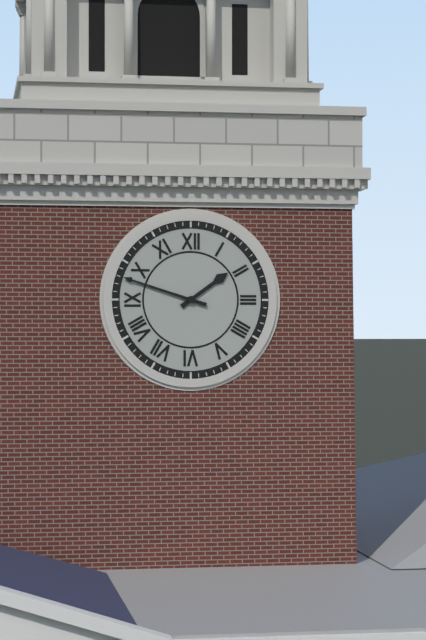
h=1 m=48
